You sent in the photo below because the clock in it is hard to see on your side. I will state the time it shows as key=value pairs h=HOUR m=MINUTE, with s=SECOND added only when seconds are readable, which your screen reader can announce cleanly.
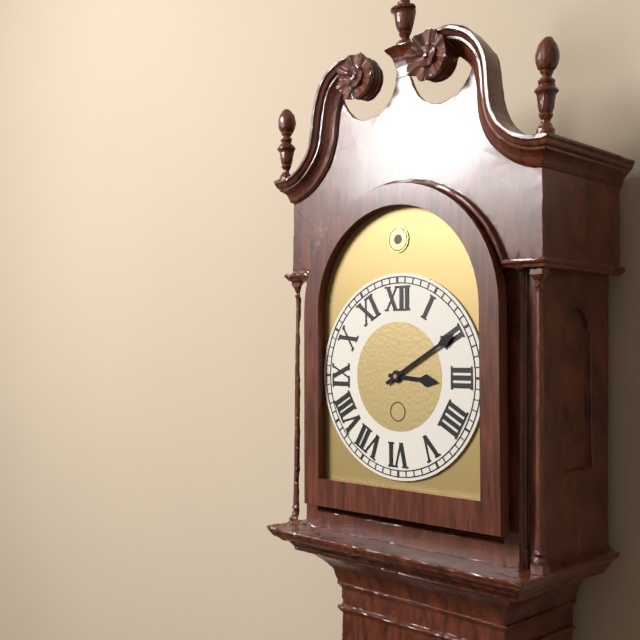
h=3 m=10
